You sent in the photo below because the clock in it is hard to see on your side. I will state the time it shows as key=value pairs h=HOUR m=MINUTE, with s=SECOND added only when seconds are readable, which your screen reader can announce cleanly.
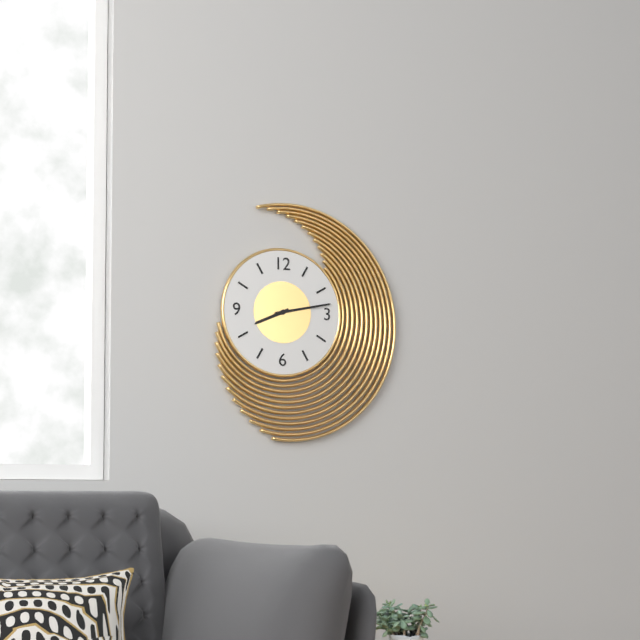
h=8 m=13
